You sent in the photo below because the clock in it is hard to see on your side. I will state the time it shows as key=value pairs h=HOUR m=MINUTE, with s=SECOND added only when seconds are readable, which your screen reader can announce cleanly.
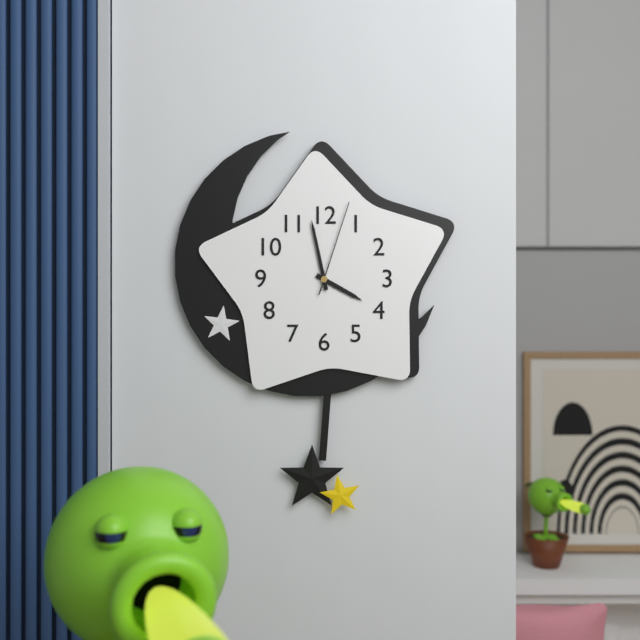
h=3 m=58 s=3
